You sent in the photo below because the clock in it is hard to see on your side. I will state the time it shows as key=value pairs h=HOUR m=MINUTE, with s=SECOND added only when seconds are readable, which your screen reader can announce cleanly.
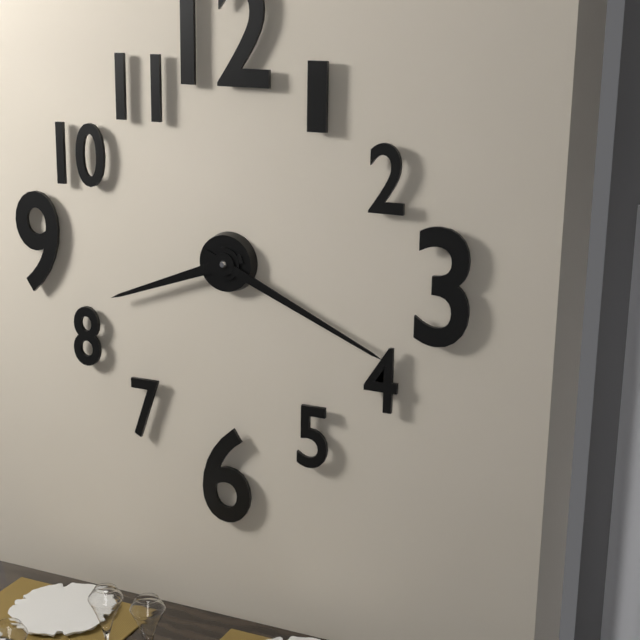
h=8 m=19
